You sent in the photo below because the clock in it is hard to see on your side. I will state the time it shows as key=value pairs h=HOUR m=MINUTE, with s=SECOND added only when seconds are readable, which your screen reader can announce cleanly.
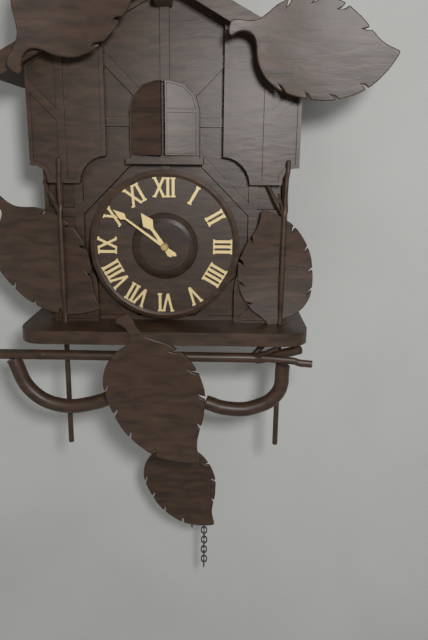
h=10 m=51
